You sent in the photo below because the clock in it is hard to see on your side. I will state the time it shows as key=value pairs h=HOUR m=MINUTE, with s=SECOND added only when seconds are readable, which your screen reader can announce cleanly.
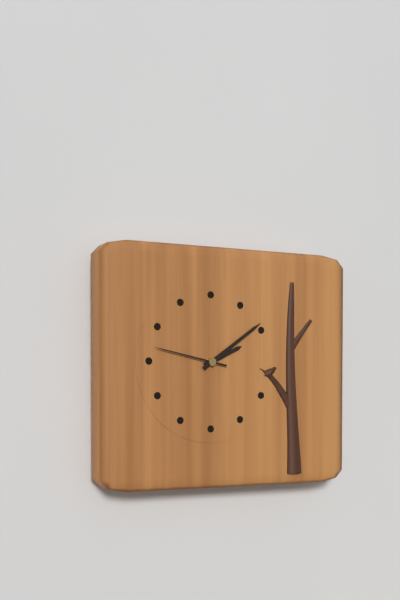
h=2 m=9 s=47
